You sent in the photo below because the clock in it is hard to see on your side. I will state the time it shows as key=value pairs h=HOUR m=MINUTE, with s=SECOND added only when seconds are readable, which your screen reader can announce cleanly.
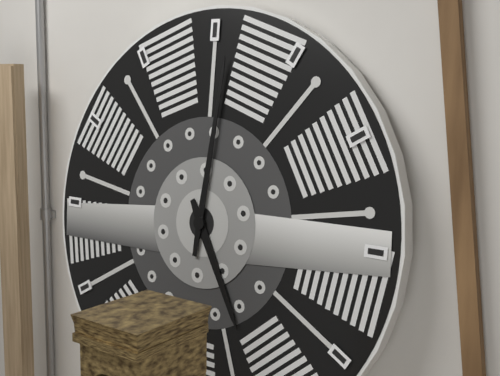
h=5 m=1
